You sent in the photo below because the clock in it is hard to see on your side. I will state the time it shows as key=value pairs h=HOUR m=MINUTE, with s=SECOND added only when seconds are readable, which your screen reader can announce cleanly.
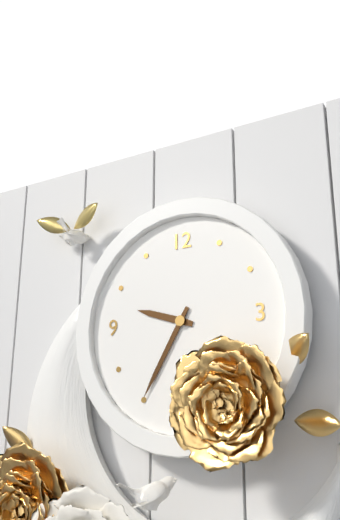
h=9 m=35
